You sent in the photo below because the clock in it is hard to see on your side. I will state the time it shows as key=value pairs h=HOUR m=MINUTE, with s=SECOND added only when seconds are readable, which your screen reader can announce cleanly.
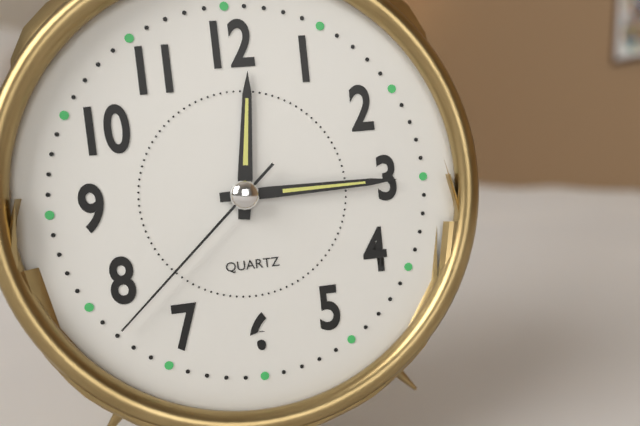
h=12 m=15 s=38
